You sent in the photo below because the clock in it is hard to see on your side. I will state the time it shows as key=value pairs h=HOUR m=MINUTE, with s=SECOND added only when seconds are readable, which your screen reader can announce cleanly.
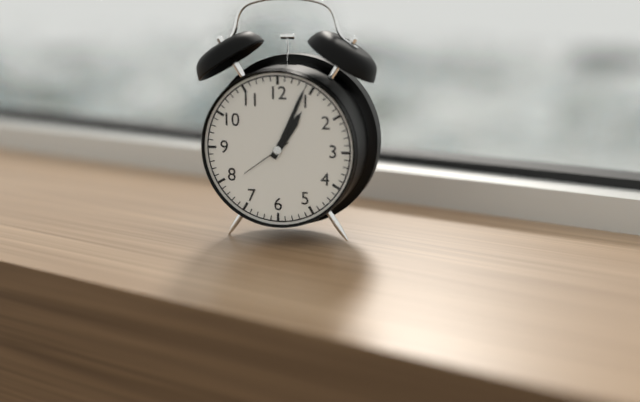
h=1 m=4 s=39
